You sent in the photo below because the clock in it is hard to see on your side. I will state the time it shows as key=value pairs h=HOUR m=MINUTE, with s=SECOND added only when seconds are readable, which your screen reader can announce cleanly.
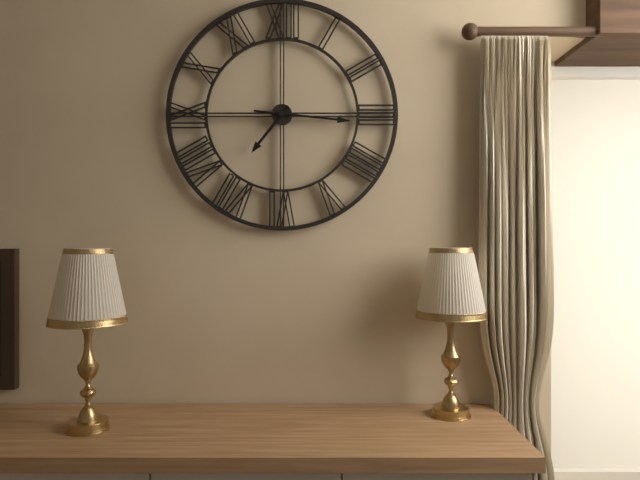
h=7 m=16
